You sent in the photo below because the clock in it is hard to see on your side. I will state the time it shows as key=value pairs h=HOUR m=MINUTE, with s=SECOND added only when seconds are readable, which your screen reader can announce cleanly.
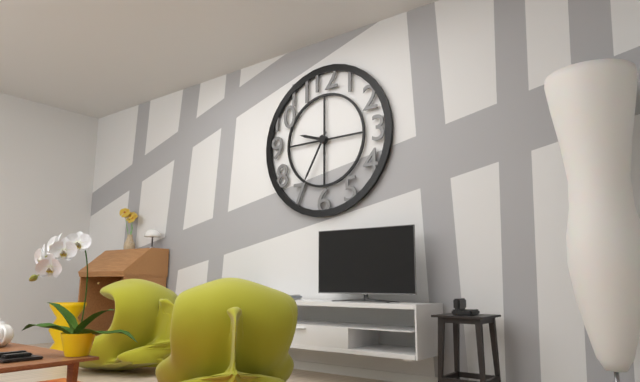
h=9 m=35
